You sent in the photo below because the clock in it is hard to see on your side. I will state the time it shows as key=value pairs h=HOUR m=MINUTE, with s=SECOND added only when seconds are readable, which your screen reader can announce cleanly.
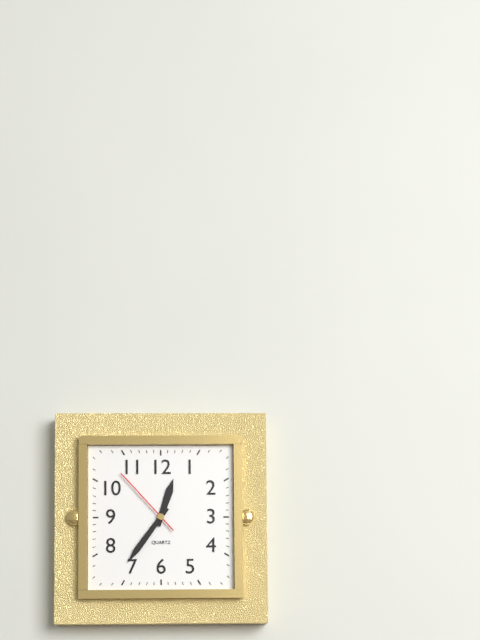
h=12 m=36 s=53
